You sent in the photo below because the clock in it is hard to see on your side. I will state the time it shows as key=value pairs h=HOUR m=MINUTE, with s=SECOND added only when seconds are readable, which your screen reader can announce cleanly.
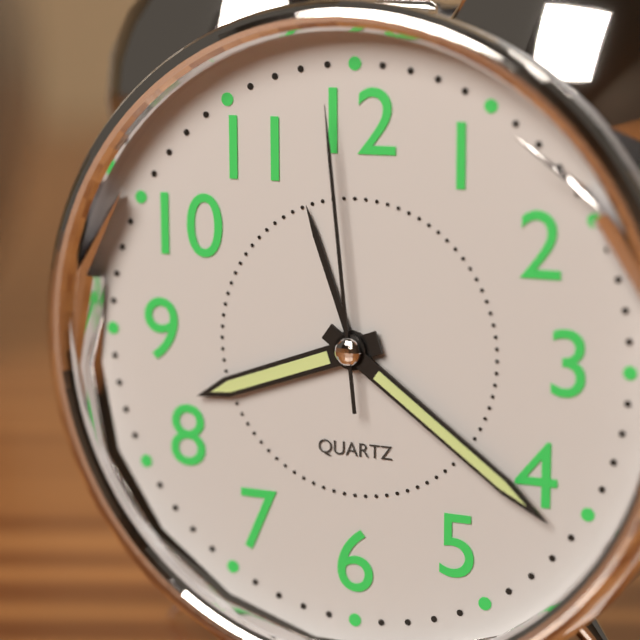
h=8 m=21 s=59
